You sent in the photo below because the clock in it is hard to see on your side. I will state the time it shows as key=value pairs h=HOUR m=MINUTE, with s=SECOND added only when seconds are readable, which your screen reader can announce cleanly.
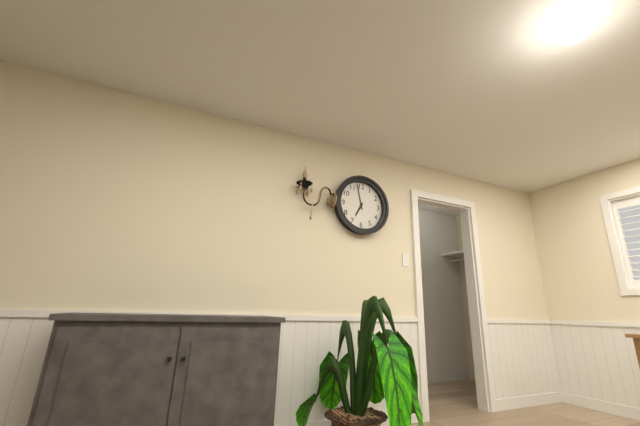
h=6 m=58
